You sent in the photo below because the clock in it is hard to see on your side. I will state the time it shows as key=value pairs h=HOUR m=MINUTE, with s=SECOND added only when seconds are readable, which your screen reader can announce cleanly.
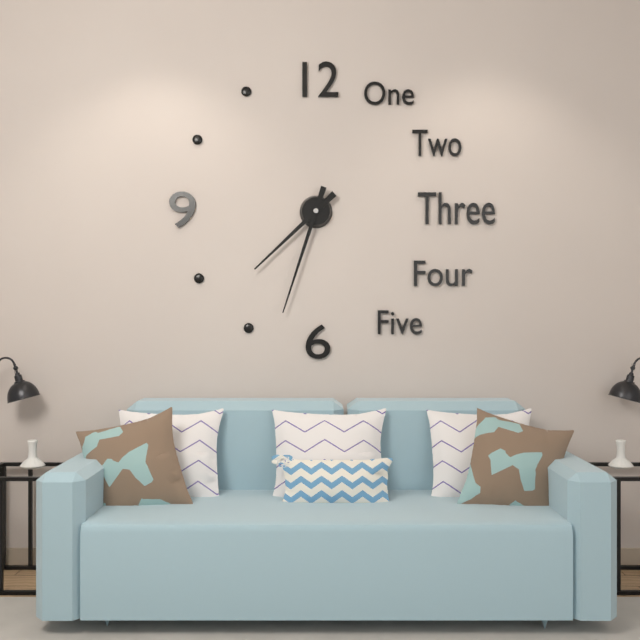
h=7 m=33
